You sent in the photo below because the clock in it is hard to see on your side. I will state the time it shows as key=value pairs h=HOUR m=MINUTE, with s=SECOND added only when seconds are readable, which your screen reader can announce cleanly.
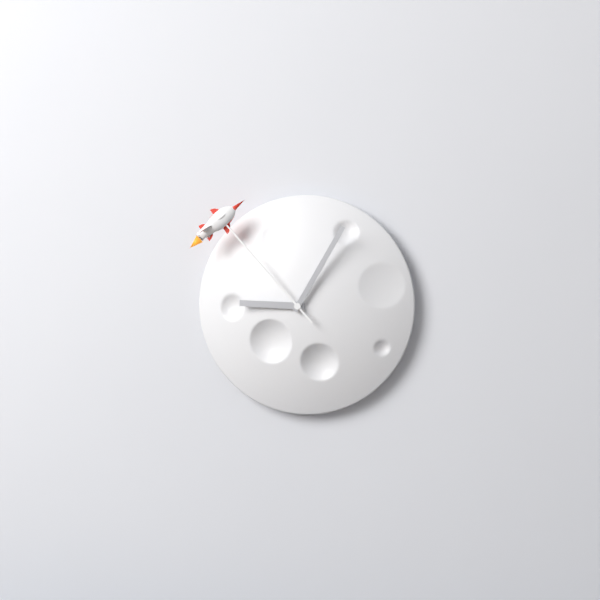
h=9 m=5 s=53
